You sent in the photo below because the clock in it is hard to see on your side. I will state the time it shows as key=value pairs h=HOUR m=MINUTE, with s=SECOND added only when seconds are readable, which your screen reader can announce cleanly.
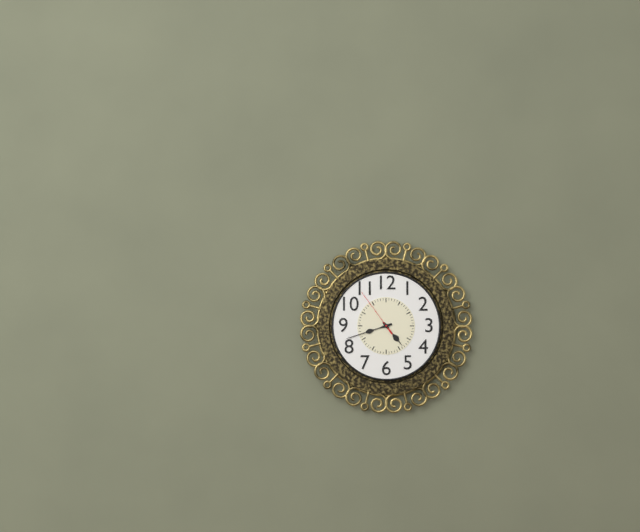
h=4 m=42 s=54
